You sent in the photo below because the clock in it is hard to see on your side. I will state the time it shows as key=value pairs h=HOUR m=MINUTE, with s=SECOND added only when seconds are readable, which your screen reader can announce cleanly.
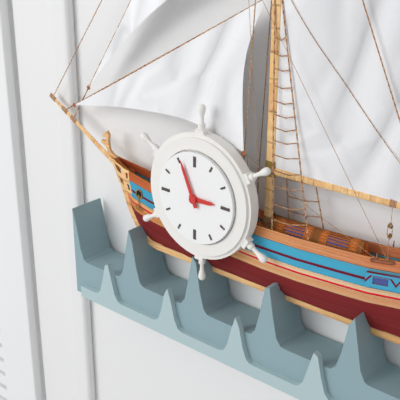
h=2 m=56
